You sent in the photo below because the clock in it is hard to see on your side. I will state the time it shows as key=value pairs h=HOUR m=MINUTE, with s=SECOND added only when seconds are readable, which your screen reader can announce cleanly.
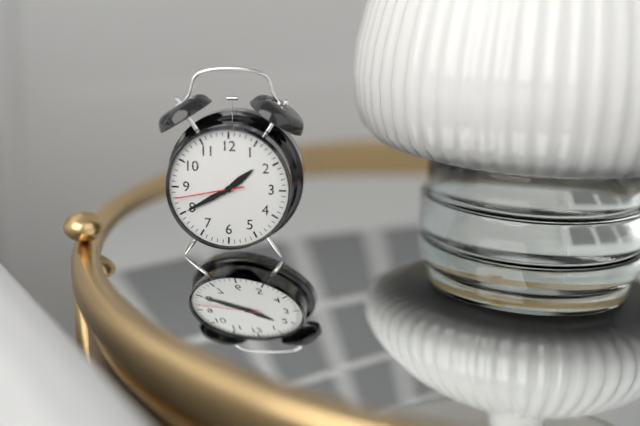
h=1 m=40 s=43
